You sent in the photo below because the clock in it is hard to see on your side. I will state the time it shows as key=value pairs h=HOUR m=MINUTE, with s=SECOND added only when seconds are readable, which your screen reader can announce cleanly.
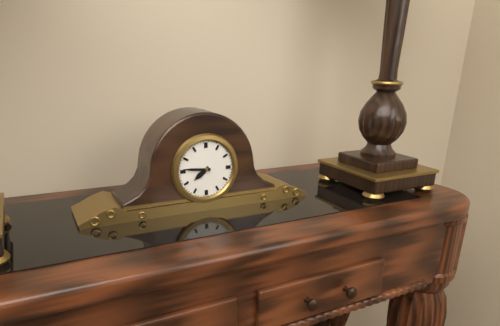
h=7 m=46
